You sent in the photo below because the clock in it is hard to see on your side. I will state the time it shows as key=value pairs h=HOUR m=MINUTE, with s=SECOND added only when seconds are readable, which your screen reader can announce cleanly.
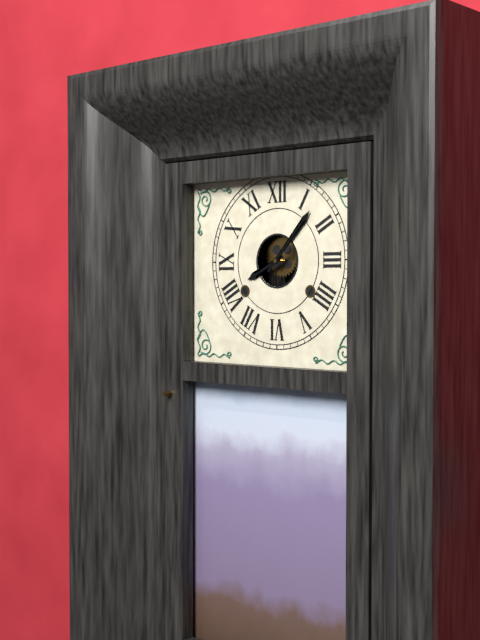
h=8 m=7
